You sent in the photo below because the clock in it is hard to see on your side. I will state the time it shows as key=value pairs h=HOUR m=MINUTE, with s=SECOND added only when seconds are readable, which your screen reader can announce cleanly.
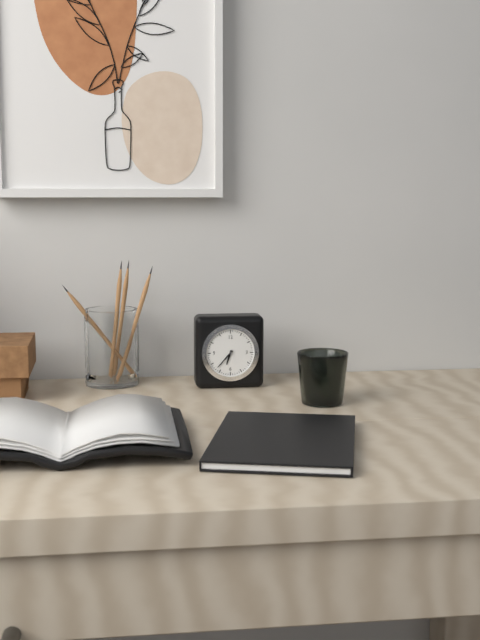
h=6 m=37
